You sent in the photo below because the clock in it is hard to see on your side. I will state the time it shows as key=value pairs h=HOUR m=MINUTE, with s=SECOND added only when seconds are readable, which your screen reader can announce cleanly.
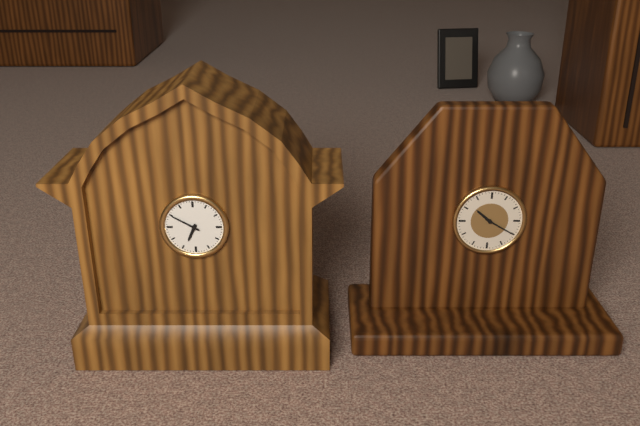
h=6 m=50
